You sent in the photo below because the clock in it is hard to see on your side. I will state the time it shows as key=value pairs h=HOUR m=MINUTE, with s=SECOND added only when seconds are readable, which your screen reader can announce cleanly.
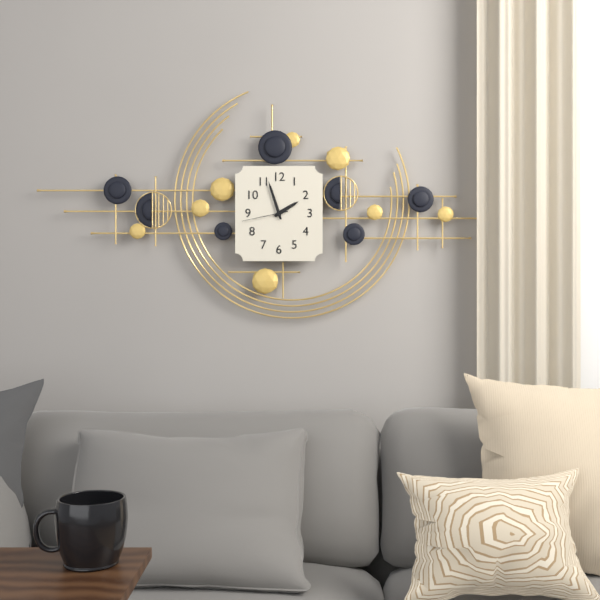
h=1 m=57
